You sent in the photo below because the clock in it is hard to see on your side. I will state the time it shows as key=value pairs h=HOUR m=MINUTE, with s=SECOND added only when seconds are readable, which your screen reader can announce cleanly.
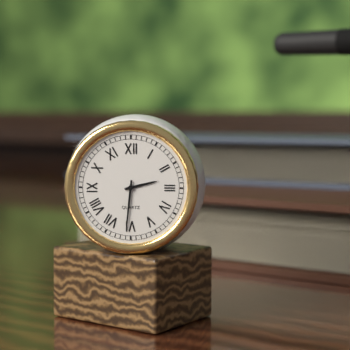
h=2 m=31
